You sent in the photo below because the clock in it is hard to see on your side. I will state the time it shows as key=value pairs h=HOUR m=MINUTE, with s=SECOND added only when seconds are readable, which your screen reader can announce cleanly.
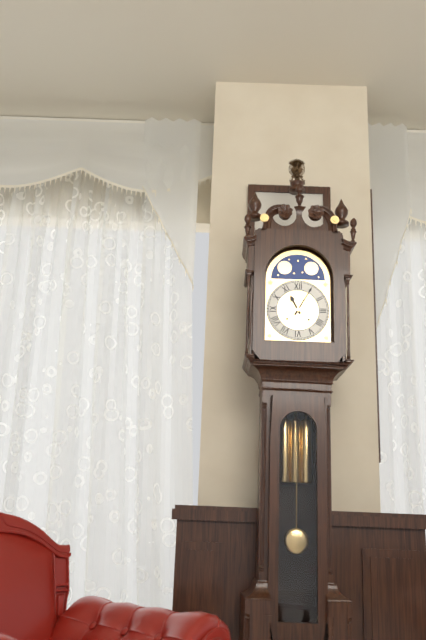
h=11 m=5
